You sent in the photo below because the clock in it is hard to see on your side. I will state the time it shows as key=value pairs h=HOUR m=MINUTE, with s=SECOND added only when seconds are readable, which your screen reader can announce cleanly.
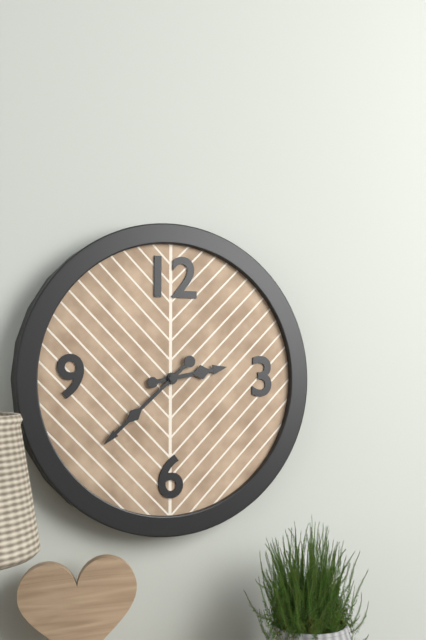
h=2 m=38
